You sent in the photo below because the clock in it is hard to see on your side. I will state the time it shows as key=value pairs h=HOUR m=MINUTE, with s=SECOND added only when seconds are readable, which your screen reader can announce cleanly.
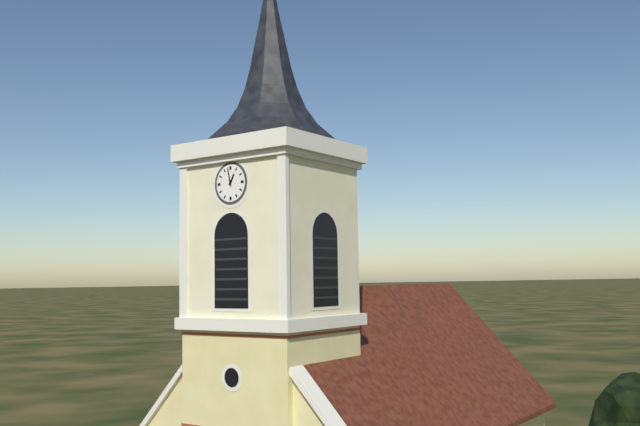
h=12 m=58
